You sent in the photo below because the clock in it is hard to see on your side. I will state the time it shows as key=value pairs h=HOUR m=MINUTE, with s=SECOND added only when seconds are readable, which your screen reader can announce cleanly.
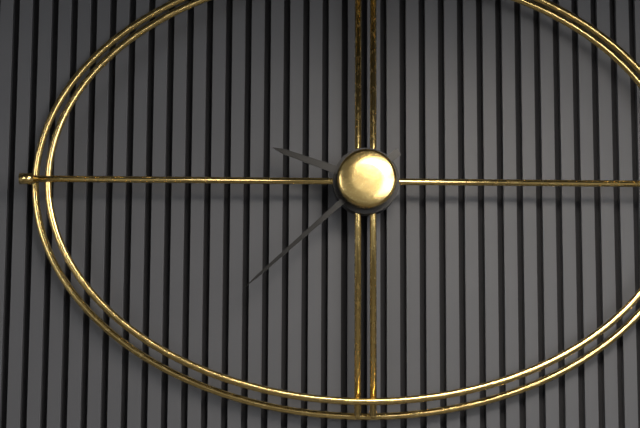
h=9 m=38
